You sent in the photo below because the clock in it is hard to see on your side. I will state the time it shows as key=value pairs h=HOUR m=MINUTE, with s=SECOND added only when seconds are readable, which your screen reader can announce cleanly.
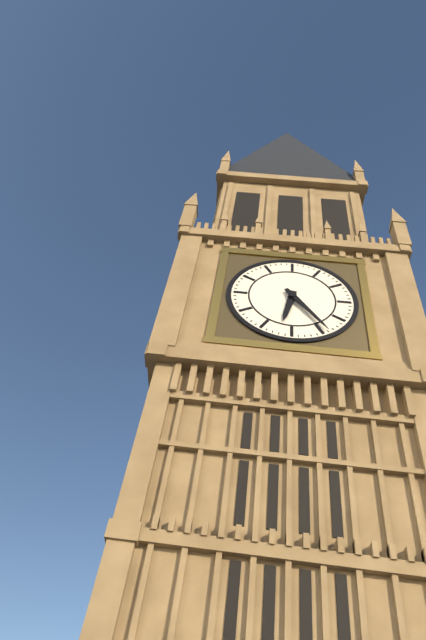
h=6 m=24
